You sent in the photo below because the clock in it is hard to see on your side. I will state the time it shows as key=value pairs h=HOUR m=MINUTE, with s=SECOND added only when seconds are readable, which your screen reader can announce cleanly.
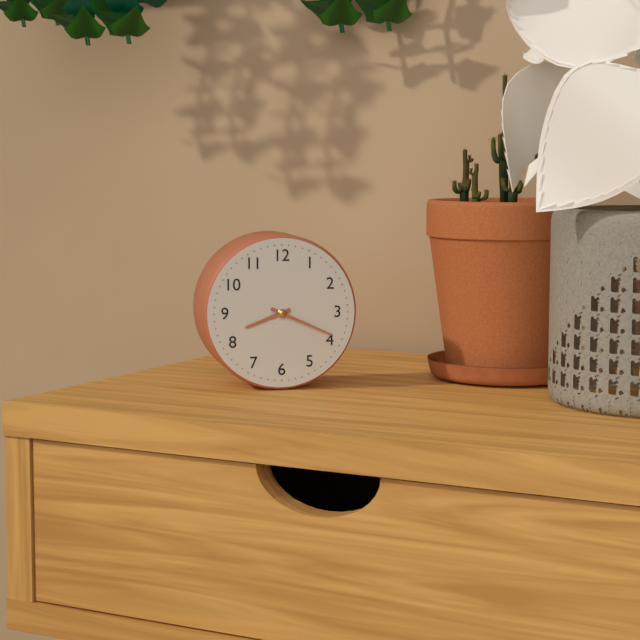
h=8 m=19
